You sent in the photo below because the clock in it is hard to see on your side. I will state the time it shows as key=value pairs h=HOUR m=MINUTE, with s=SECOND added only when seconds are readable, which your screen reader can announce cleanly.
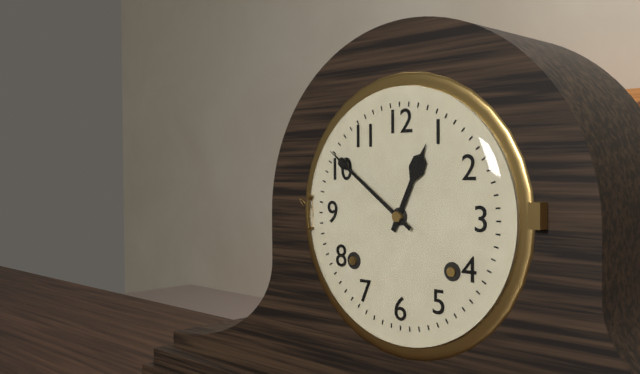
h=12 m=51
